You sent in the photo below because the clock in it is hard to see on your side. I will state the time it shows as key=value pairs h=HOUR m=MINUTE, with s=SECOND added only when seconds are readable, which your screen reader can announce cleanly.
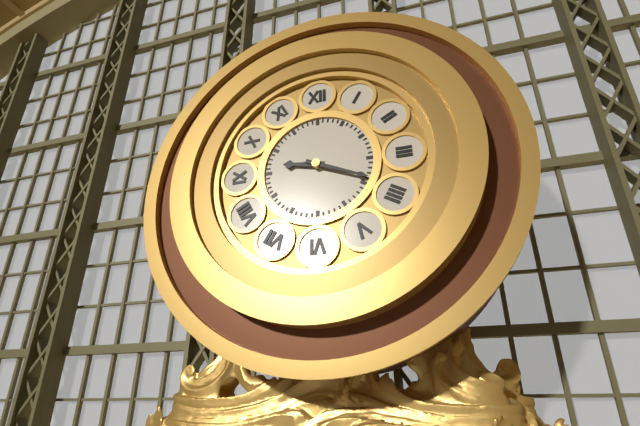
h=9 m=19
